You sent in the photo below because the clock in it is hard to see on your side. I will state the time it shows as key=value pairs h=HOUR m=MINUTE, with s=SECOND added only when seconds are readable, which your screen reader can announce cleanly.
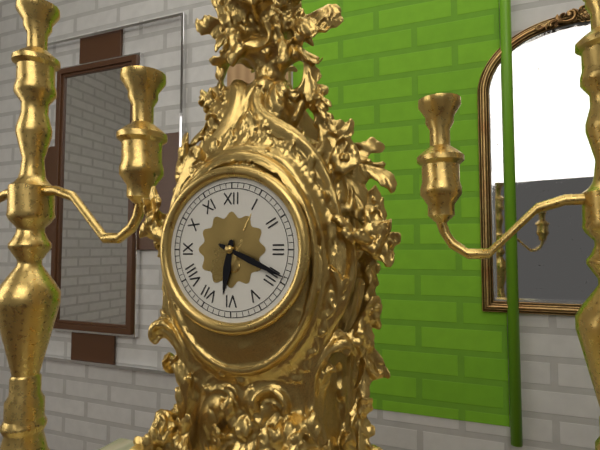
h=6 m=19
